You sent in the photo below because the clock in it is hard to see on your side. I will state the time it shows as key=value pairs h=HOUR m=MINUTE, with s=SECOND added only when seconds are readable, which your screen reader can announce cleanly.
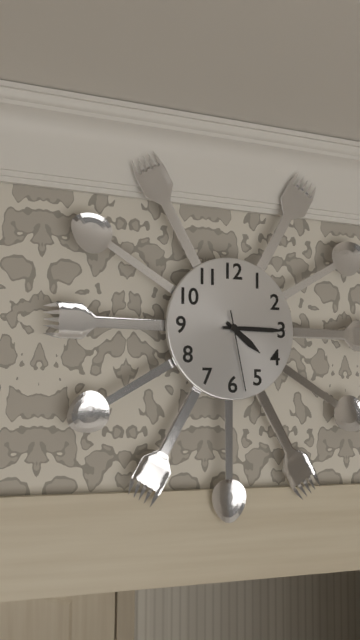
h=4 m=15 s=28
